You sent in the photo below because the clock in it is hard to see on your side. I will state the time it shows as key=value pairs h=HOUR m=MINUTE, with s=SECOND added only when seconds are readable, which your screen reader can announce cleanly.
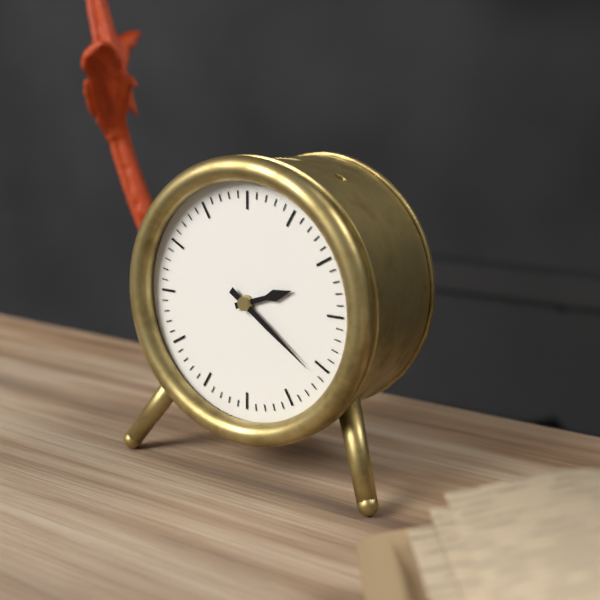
h=2 m=21
